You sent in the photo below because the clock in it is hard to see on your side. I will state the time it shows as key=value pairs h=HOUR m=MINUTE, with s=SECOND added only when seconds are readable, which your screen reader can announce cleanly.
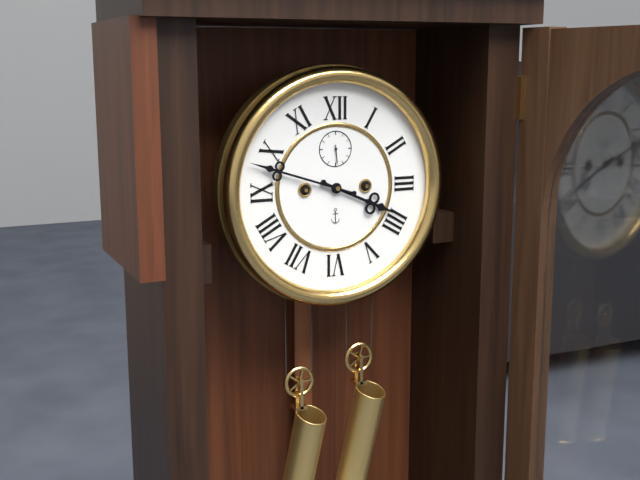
h=3 m=48
